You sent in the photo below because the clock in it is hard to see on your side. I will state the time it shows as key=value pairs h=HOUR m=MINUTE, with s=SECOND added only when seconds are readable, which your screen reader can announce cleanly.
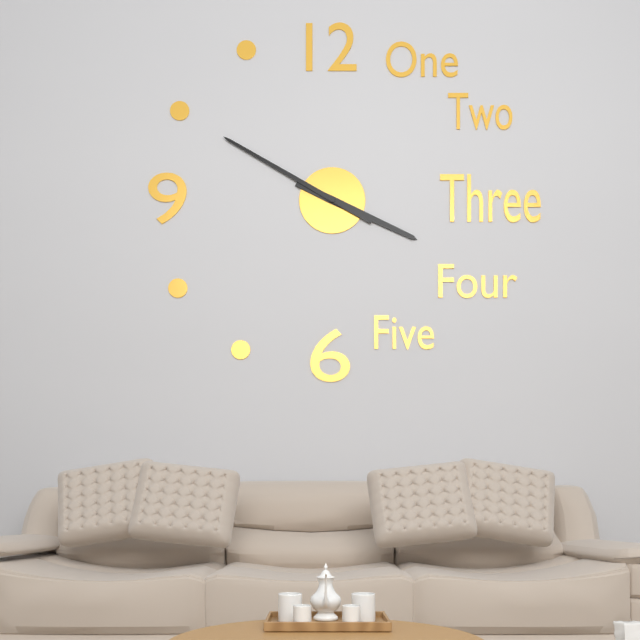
h=3 m=50
